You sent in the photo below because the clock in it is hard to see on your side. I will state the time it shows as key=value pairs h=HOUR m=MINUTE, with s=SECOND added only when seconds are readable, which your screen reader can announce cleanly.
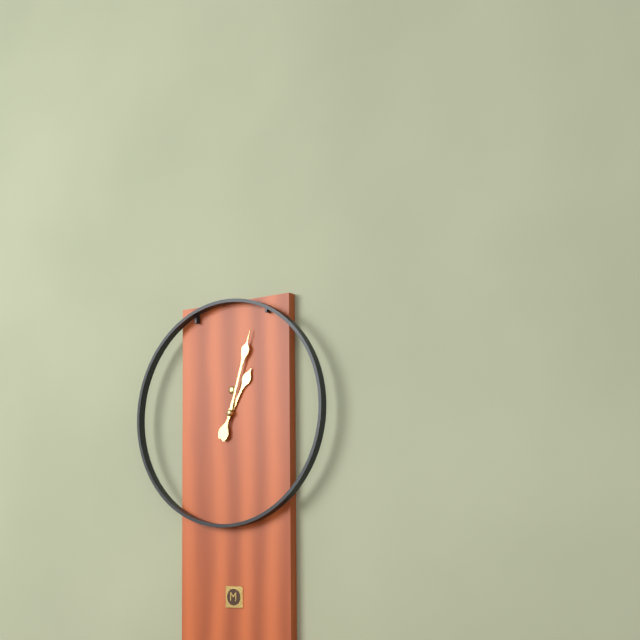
h=1 m=3
